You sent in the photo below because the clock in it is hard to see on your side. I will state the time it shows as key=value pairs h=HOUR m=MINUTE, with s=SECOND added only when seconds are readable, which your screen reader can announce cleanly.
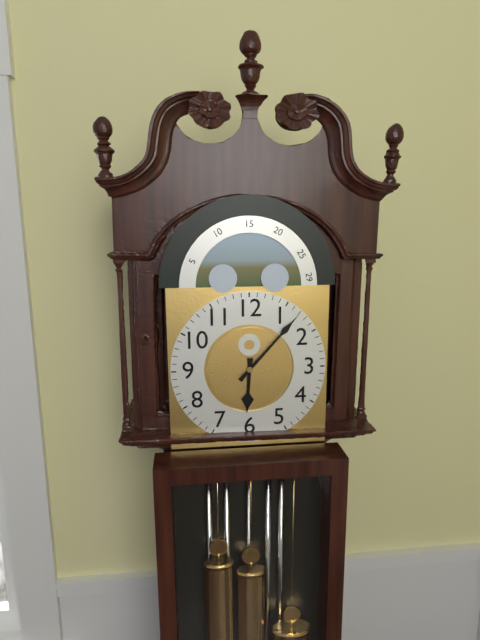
h=6 m=7
